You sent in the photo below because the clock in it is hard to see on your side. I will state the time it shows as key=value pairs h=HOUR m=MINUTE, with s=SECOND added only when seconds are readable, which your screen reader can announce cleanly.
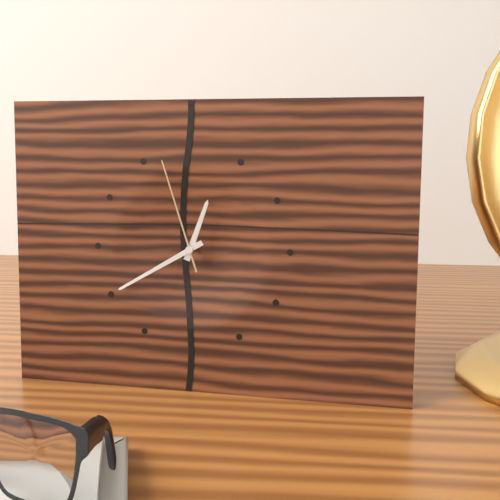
h=12 m=40 s=57
